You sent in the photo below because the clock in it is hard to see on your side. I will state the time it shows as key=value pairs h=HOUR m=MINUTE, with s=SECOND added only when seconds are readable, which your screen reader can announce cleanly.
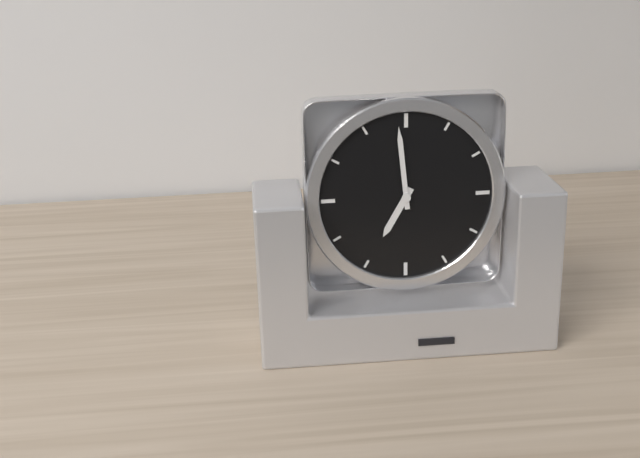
h=6 m=59
